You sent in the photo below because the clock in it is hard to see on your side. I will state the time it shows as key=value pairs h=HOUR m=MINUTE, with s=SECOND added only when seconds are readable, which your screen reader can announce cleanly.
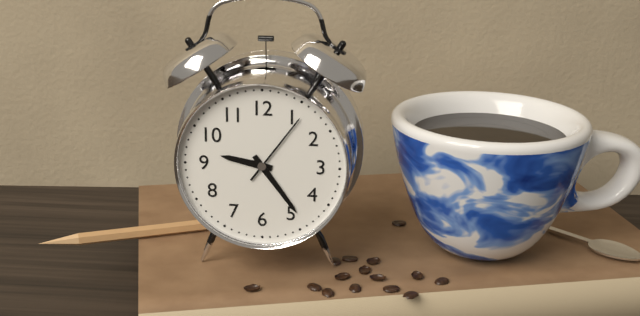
h=9 m=24 s=6
